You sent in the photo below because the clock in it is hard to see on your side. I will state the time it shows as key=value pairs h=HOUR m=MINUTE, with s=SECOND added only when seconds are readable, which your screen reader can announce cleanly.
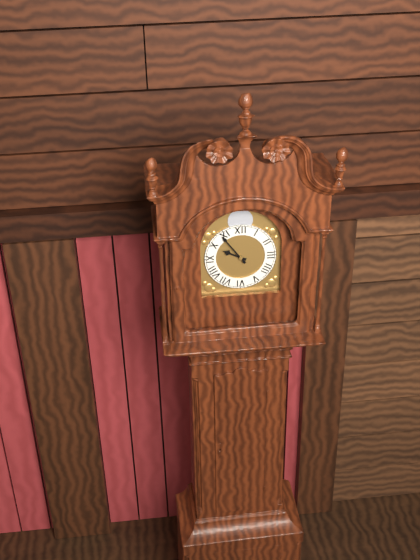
h=9 m=54
